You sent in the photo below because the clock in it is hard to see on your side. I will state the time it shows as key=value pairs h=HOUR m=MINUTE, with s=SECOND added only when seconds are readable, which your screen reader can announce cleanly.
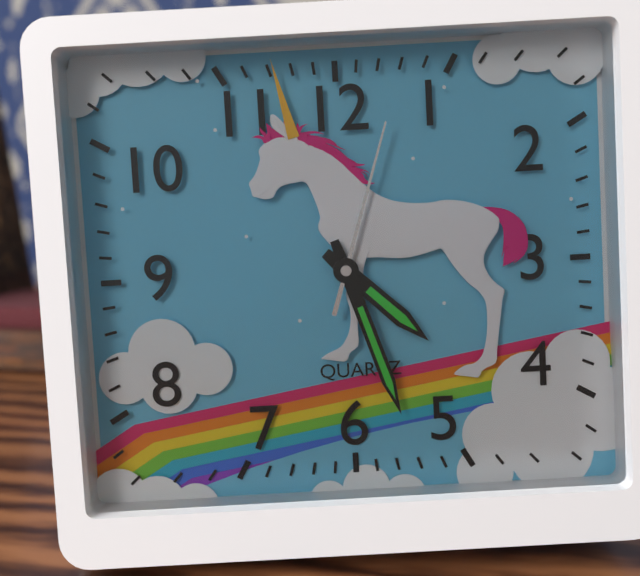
h=4 m=27 s=3
